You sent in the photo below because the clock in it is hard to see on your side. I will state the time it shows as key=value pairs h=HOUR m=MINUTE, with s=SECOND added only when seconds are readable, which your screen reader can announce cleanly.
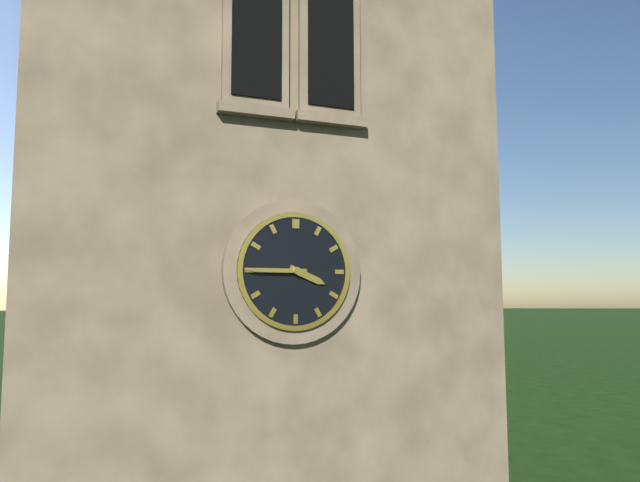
h=3 m=45
